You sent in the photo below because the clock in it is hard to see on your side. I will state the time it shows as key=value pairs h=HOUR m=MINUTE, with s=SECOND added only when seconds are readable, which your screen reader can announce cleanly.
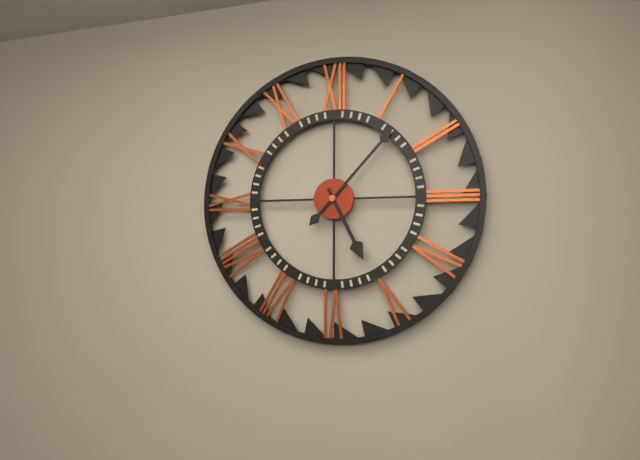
h=5 m=7
